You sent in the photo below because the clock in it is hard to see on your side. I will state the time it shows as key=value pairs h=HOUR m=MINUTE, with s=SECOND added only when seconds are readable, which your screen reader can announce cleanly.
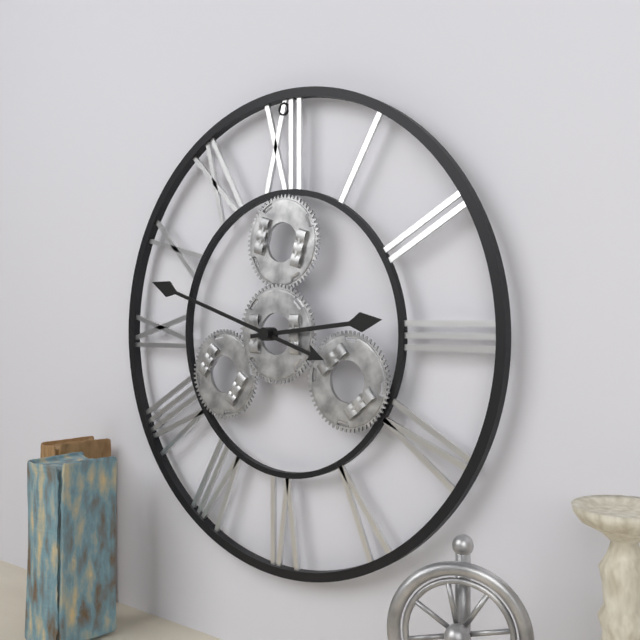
h=2 m=48
